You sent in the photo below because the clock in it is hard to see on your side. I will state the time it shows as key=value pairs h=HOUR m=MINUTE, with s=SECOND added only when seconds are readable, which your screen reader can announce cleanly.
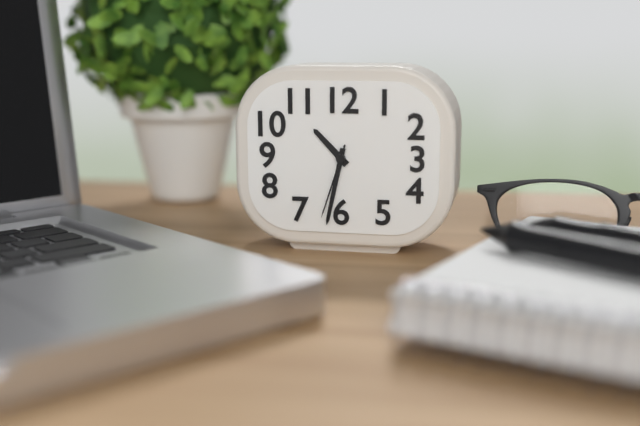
h=10 m=32 s=33
